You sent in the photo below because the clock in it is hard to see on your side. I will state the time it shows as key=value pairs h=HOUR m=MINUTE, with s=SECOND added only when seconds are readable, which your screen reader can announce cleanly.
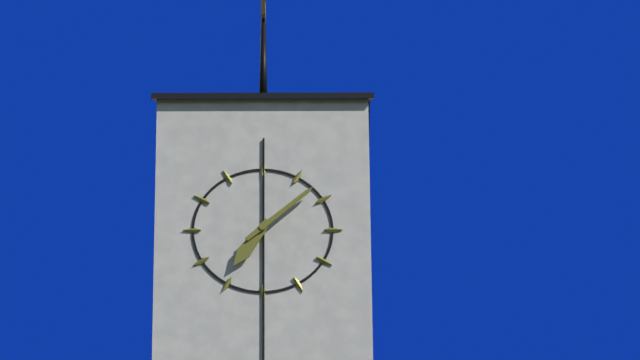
h=7 m=8
